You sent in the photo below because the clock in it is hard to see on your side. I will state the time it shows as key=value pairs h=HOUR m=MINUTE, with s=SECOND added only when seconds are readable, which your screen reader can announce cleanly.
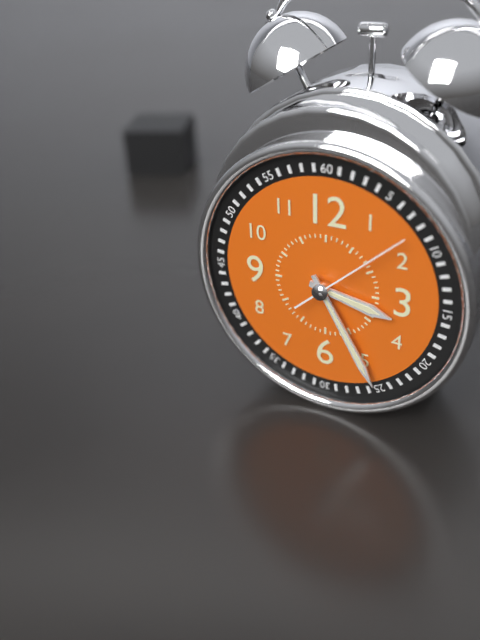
h=3 m=25 s=8
